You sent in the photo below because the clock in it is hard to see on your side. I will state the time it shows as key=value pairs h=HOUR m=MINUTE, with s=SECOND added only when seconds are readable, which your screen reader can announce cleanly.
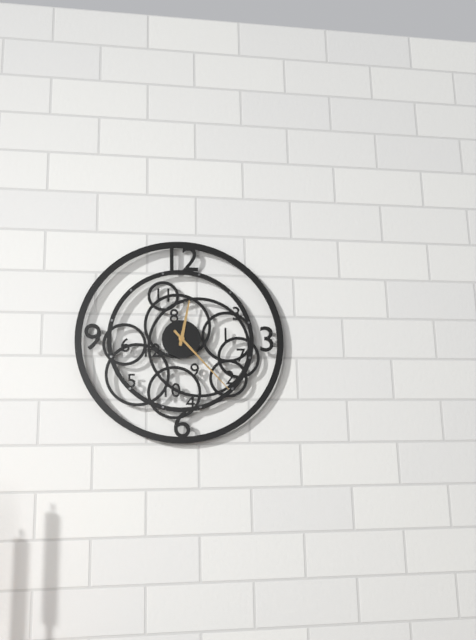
h=12 m=23
